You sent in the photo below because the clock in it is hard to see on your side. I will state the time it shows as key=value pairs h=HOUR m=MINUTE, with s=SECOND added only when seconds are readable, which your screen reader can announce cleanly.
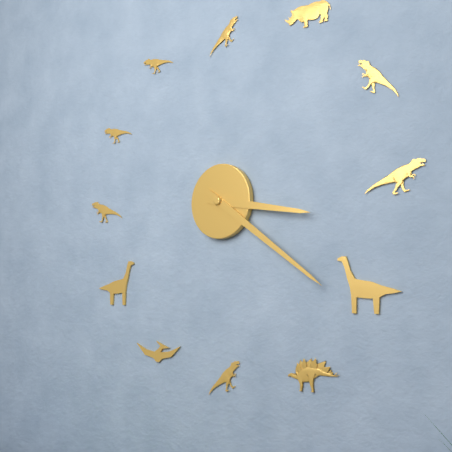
h=3 m=21
